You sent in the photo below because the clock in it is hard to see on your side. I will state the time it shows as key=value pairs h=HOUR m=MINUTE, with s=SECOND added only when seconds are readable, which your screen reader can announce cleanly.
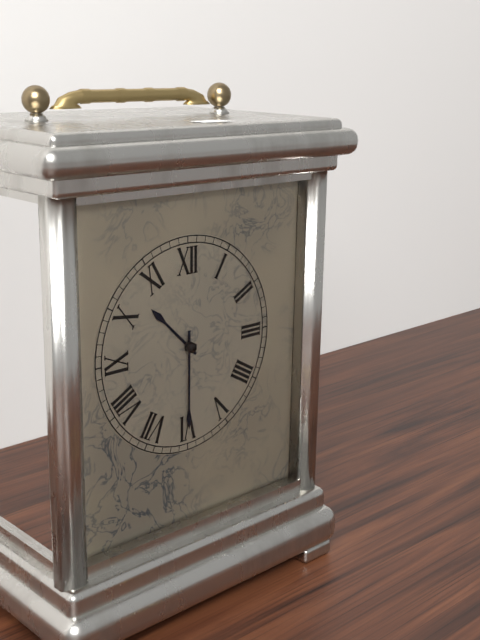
h=10 m=30
